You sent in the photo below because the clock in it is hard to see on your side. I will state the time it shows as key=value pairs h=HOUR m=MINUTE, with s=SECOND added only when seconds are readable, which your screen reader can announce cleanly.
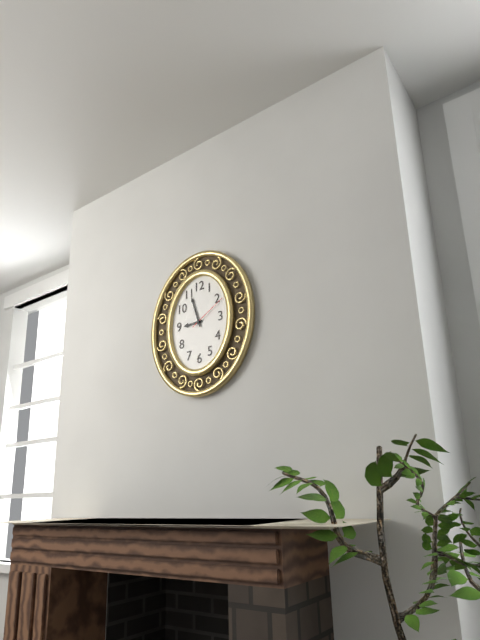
h=8 m=57
